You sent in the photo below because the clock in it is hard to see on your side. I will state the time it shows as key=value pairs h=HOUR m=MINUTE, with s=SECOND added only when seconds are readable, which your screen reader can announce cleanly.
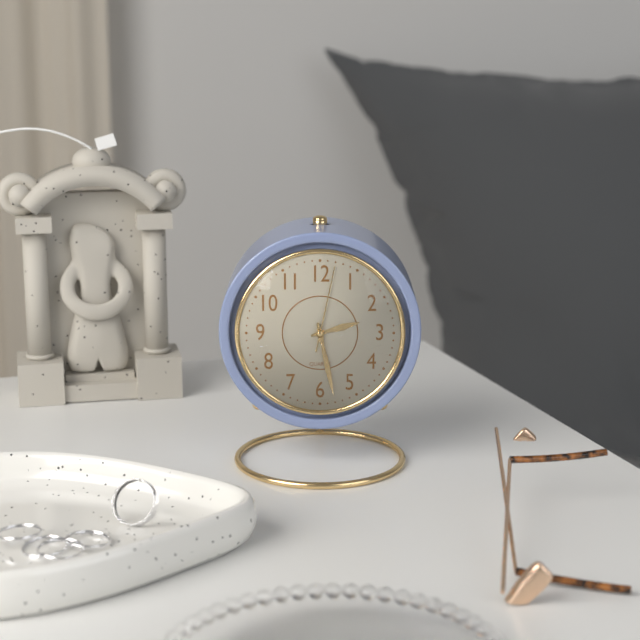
h=2 m=28 s=2
